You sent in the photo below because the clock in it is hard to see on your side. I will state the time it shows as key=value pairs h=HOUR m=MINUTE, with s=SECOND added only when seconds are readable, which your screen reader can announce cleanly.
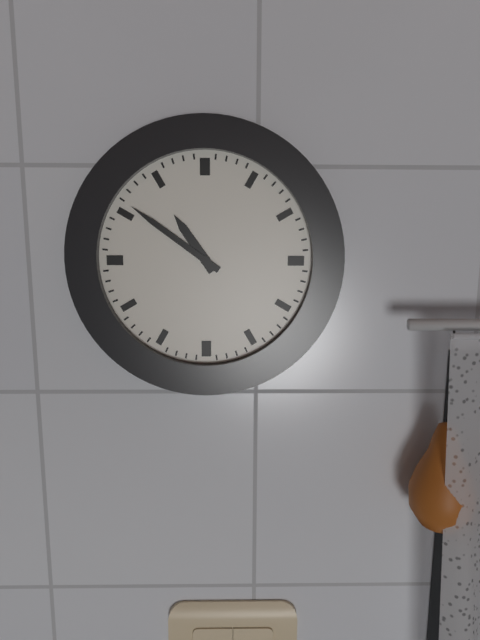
h=10 m=51
